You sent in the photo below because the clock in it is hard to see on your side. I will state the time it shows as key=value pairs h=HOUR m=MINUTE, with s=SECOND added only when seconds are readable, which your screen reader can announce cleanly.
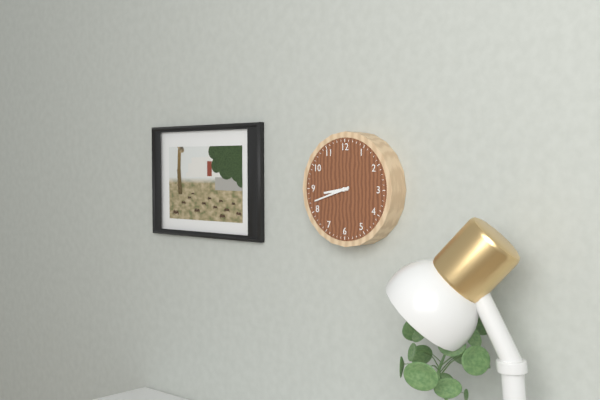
h=8 m=42
